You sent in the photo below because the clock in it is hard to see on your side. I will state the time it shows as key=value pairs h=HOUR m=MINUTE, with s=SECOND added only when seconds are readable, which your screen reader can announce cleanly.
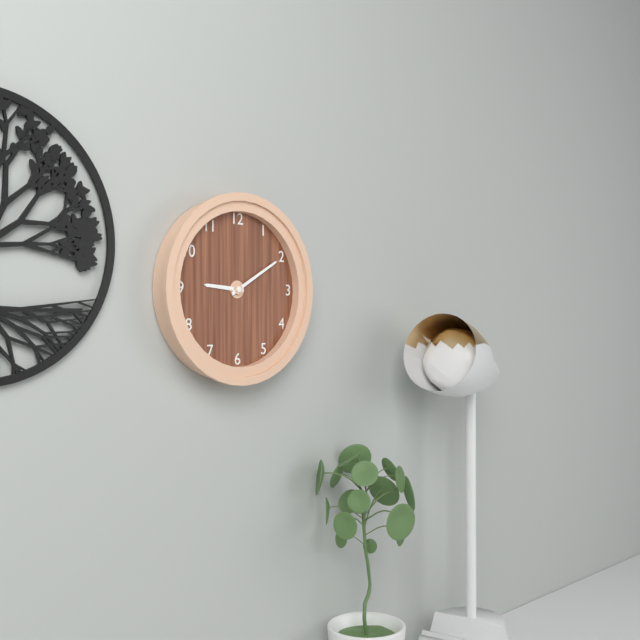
h=9 m=10
